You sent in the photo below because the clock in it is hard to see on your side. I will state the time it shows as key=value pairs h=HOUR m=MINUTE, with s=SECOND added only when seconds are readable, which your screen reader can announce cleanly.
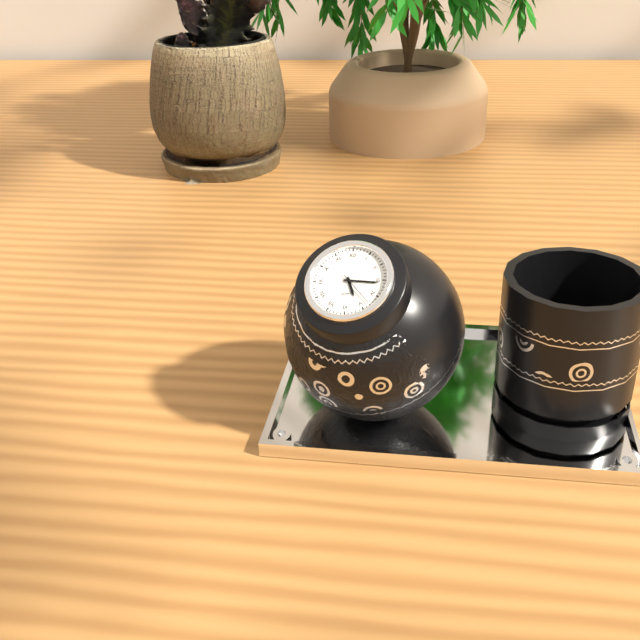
h=5 m=16
